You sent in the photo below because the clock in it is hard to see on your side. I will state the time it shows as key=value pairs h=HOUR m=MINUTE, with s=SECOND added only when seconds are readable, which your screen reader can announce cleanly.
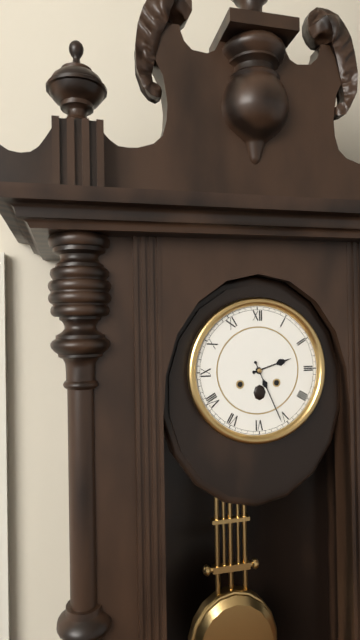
h=2 m=26
